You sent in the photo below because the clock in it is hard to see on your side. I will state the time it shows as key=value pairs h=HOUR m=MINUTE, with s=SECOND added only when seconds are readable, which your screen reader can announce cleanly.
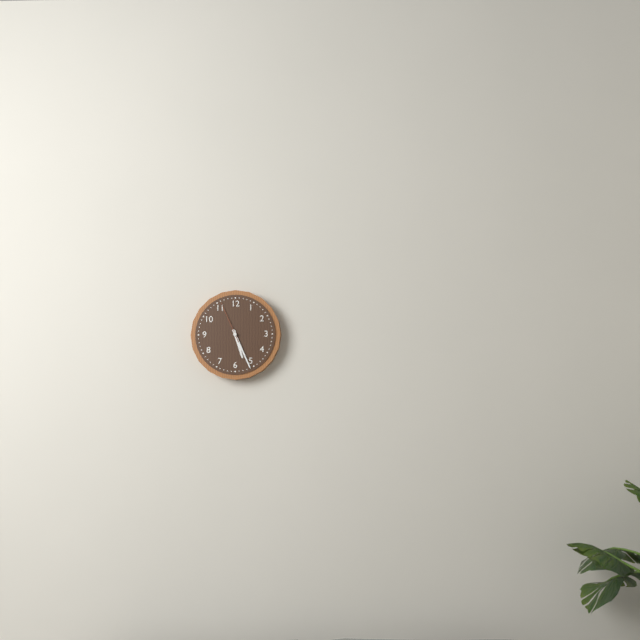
h=5 m=26
